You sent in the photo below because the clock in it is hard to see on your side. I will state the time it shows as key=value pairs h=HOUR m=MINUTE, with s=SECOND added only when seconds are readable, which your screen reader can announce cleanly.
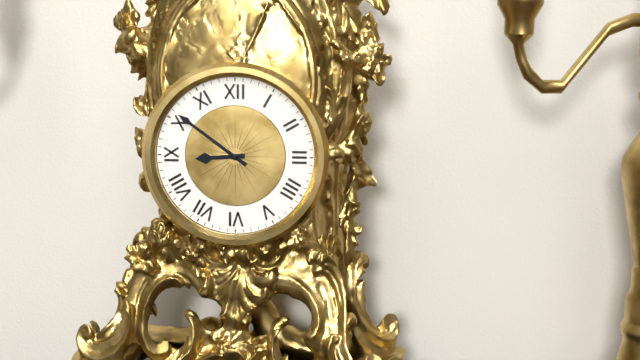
h=8 m=51
